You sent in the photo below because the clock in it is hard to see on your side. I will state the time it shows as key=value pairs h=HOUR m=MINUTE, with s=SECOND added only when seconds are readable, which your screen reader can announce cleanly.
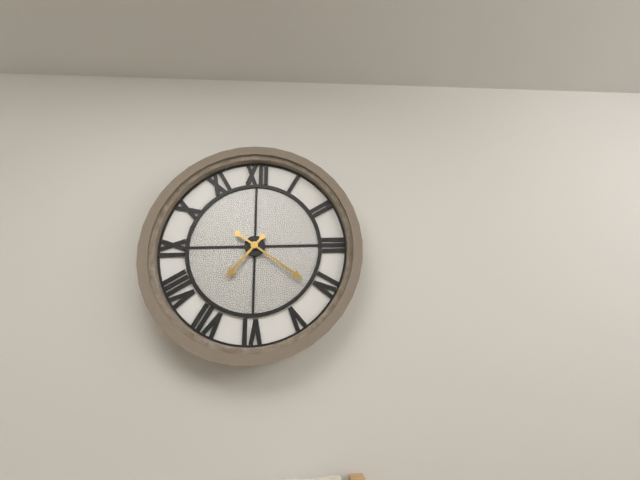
h=7 m=21
